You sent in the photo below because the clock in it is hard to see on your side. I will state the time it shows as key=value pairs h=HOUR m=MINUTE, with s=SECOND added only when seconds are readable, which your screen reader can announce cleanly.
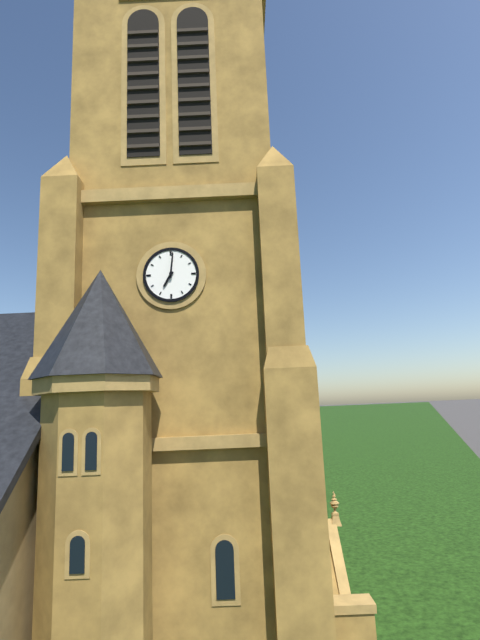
h=7 m=1
